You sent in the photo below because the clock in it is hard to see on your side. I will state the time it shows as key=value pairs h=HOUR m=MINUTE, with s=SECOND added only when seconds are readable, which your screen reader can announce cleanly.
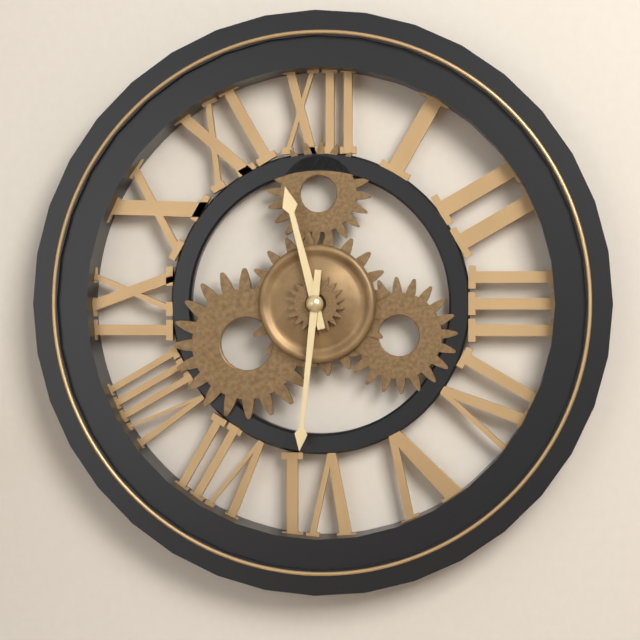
h=11 m=31
